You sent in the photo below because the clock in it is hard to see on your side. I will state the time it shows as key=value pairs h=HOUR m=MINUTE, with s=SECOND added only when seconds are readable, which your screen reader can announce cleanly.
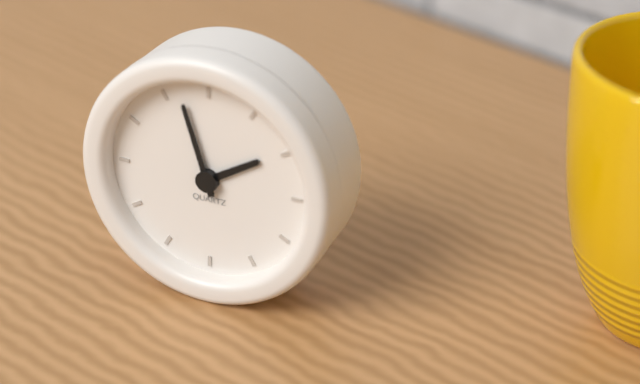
h=1 m=57
